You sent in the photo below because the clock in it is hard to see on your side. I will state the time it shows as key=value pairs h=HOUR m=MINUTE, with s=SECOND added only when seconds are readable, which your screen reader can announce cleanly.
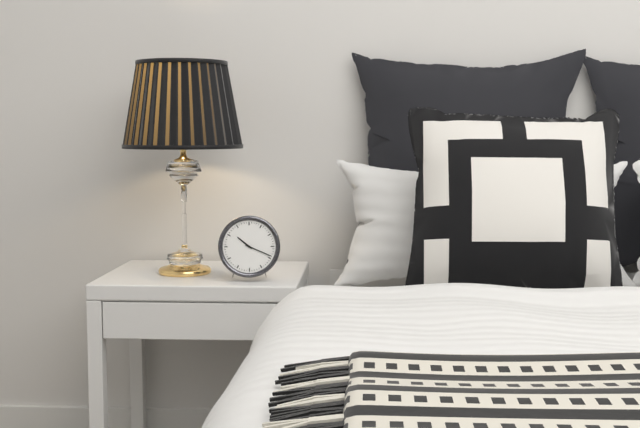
h=10 m=19
